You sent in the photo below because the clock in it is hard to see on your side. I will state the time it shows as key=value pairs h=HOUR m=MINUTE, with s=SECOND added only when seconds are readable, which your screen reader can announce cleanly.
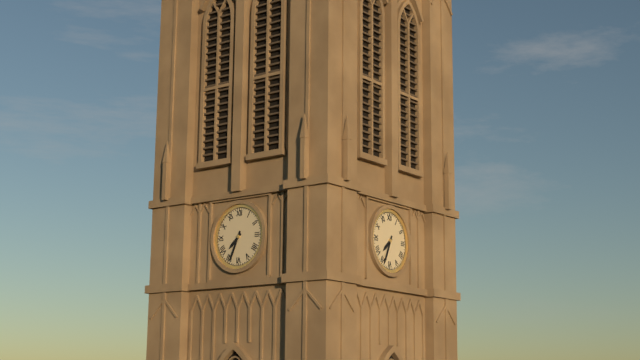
h=7 m=34
